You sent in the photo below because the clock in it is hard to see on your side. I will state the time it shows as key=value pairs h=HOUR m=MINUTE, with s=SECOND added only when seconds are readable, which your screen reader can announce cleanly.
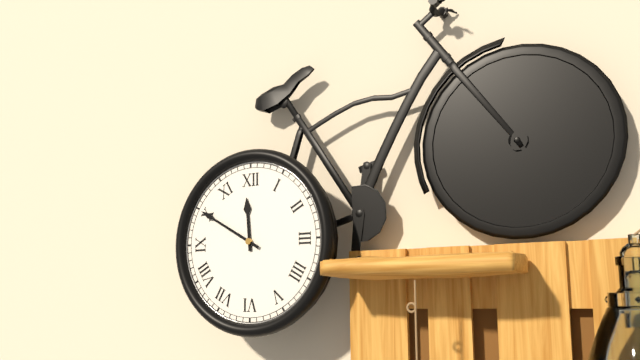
h=11 m=50
